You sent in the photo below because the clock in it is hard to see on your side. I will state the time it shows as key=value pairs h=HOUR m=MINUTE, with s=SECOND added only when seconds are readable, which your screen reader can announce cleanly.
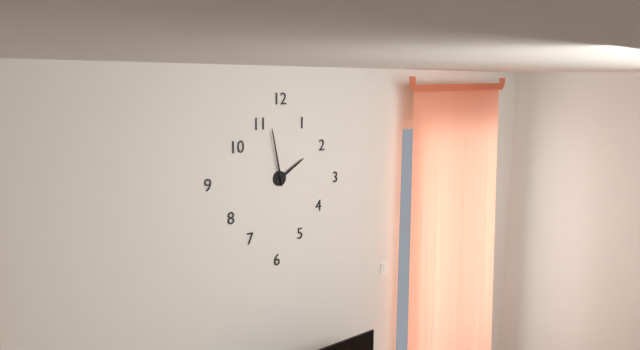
h=1 m=58
